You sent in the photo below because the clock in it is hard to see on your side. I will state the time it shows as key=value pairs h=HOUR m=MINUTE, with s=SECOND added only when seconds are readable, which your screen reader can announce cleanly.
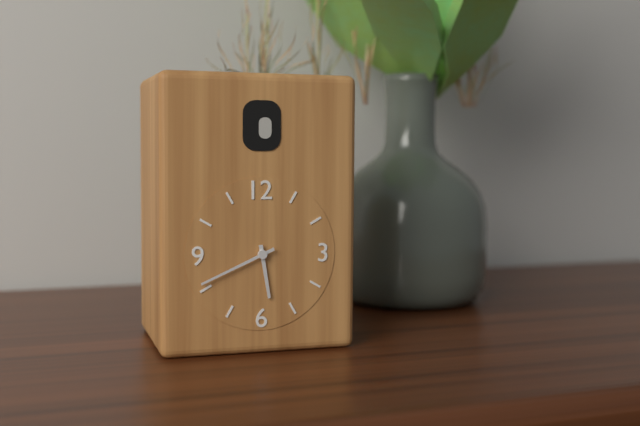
h=5 m=41
